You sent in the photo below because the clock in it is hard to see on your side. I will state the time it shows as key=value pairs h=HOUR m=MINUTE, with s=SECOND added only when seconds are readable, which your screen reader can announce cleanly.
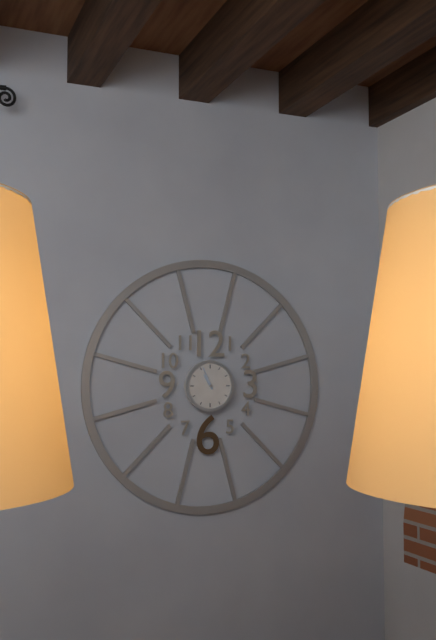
h=10 m=56
